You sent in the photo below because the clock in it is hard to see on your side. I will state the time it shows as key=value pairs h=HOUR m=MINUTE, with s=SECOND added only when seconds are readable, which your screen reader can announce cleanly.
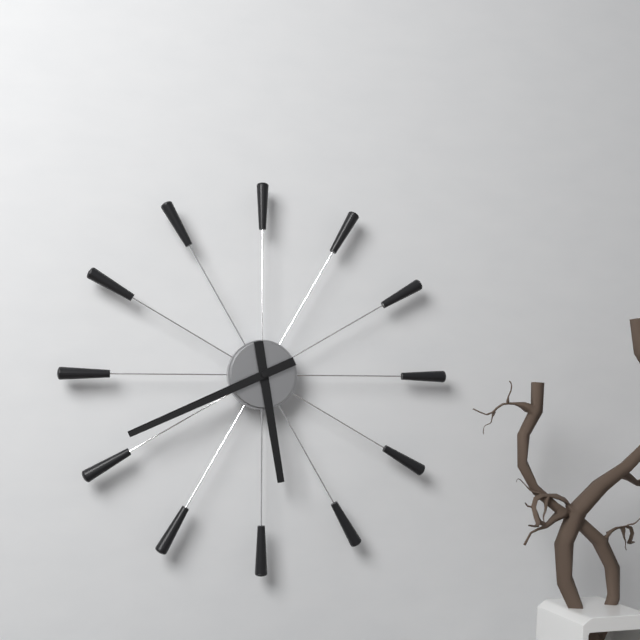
h=5 m=41
